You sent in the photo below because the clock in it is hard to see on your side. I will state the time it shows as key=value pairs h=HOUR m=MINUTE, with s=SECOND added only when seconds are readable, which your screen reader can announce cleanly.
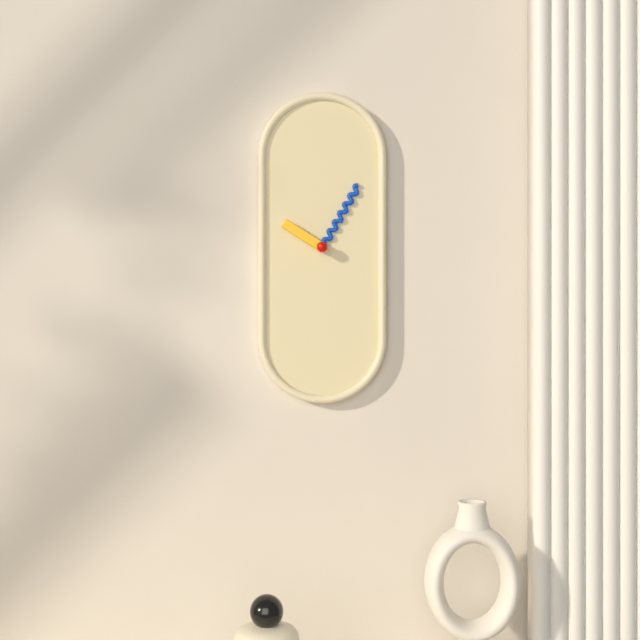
h=10 m=5
